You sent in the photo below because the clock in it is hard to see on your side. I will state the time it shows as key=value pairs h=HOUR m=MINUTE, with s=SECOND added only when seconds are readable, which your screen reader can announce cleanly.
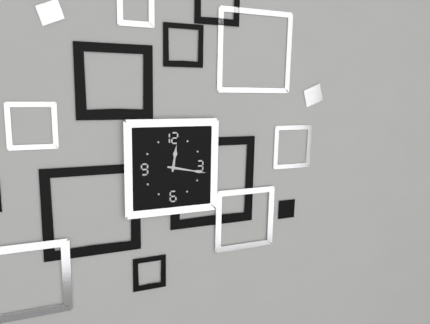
h=12 m=17
